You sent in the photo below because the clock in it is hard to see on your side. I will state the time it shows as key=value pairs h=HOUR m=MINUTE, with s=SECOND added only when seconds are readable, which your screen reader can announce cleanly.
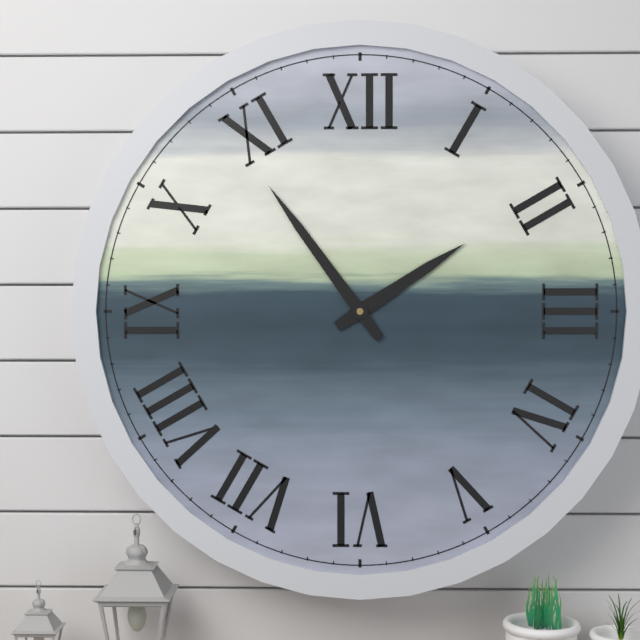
h=1 m=54
